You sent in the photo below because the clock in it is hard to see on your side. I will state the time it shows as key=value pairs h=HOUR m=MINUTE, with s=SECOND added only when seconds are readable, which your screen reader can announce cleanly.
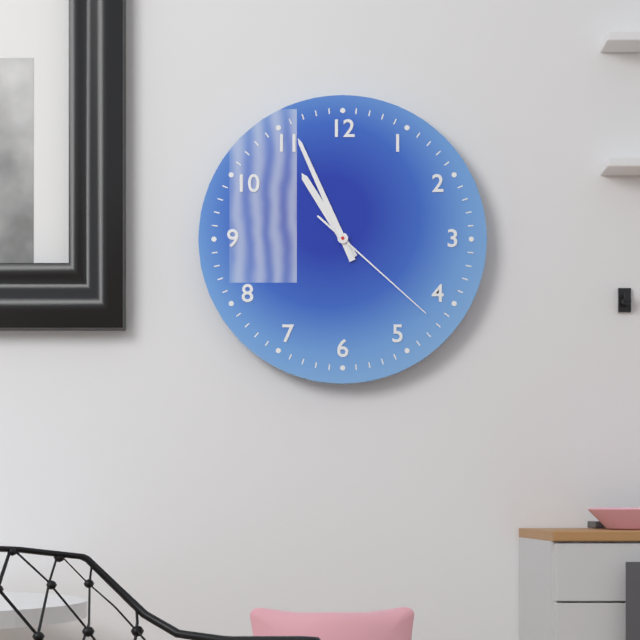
h=10 m=56 s=22
